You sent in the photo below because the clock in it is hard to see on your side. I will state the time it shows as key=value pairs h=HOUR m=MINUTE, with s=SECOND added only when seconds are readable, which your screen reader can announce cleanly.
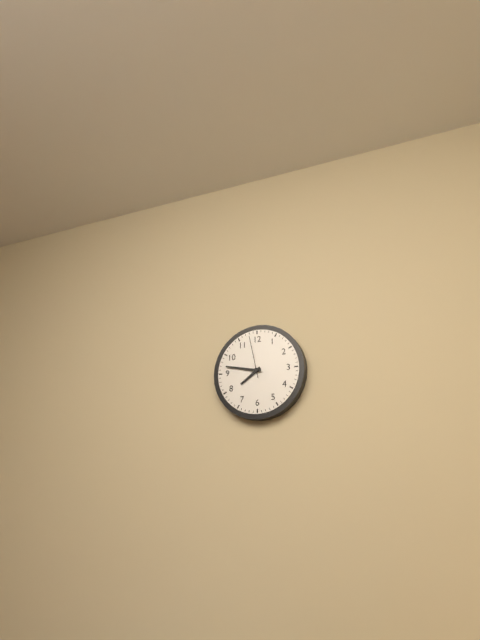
h=7 m=47
